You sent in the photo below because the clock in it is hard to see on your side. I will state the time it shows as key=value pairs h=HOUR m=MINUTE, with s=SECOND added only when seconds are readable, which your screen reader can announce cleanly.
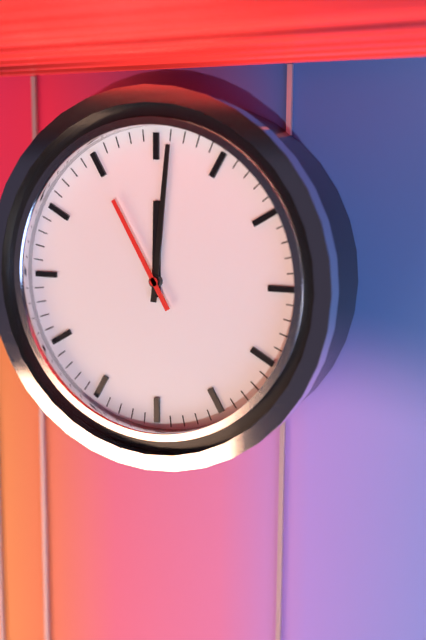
h=12 m=1 s=55
